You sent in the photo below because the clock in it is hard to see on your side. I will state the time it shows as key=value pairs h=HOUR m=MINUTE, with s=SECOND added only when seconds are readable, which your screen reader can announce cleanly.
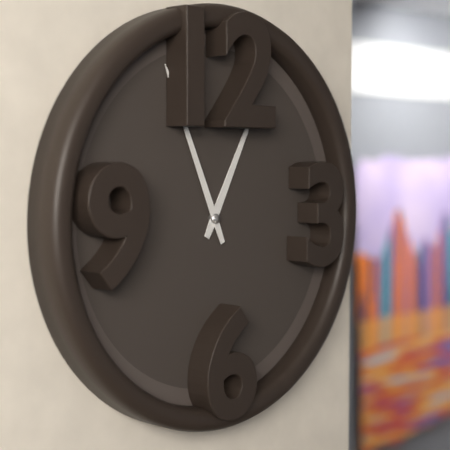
h=12 m=56
